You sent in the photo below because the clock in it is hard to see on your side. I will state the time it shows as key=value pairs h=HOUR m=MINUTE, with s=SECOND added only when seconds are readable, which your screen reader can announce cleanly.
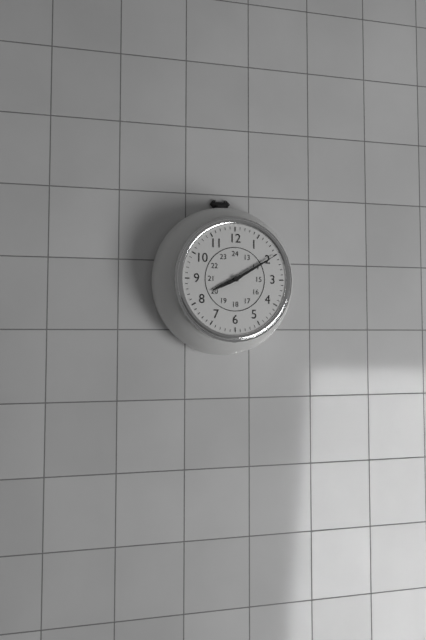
h=8 m=10
